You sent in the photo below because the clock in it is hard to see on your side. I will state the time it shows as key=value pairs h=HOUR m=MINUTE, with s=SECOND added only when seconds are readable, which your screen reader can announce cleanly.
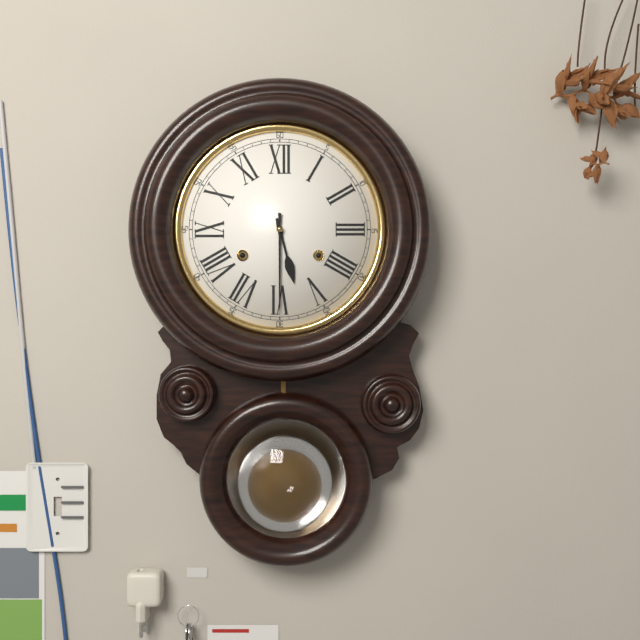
h=5 m=30
